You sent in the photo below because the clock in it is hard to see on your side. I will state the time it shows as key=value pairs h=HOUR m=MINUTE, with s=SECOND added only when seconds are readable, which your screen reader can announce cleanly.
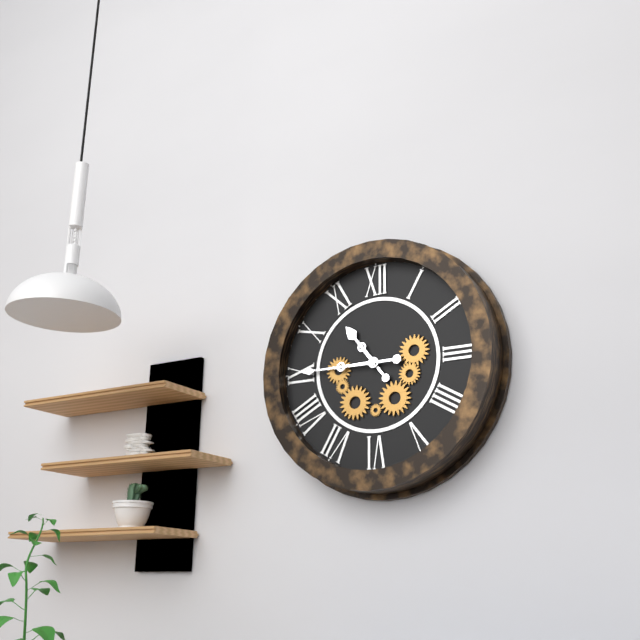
h=10 m=45
